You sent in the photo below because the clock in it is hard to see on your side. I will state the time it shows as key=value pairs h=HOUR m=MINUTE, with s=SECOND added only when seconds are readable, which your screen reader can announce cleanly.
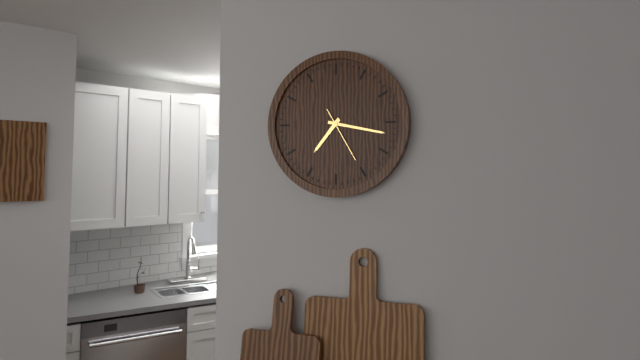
h=7 m=17 s=25
